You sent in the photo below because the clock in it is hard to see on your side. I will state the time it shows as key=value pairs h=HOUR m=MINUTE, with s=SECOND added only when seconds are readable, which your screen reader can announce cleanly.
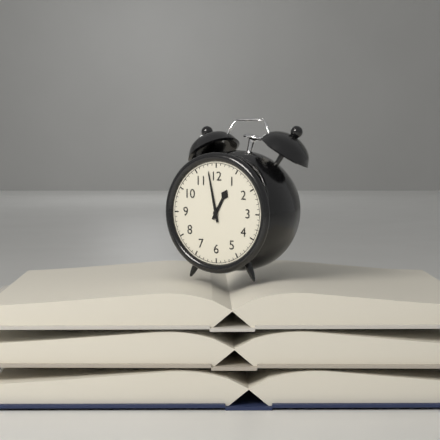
h=12 m=58
